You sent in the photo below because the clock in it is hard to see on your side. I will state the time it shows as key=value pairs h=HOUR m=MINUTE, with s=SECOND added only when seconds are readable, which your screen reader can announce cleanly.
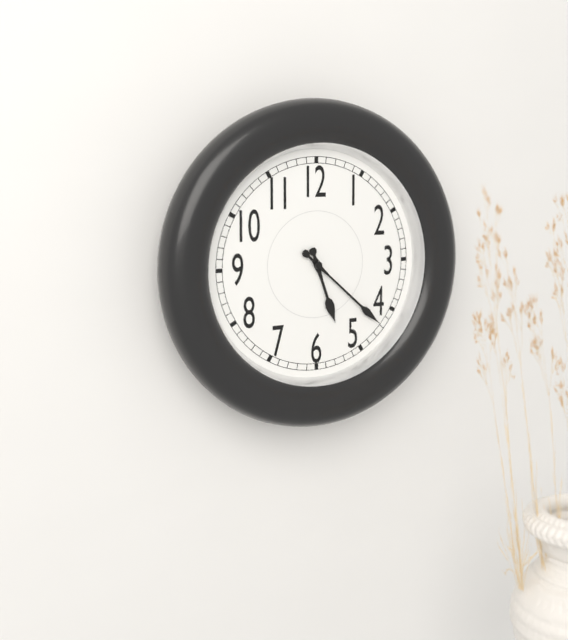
h=5 m=22
